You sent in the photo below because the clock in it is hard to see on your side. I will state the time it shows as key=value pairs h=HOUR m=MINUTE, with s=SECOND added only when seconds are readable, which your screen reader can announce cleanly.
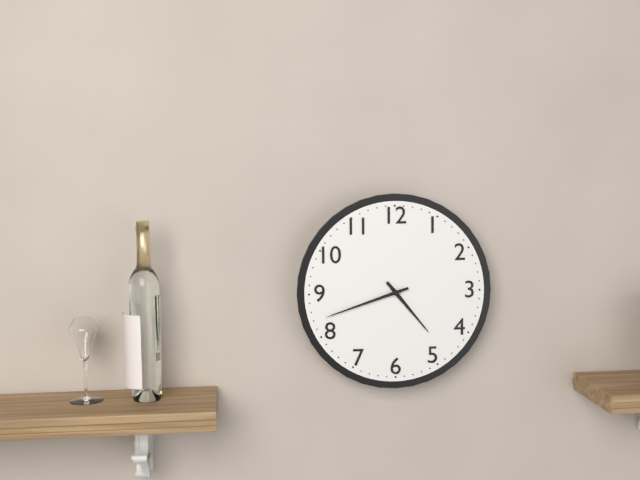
h=4 m=42
